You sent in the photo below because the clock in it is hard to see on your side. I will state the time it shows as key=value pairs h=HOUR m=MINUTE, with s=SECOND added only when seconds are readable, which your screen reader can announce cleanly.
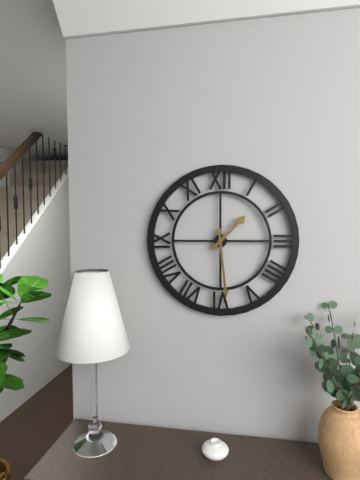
h=1 m=29
